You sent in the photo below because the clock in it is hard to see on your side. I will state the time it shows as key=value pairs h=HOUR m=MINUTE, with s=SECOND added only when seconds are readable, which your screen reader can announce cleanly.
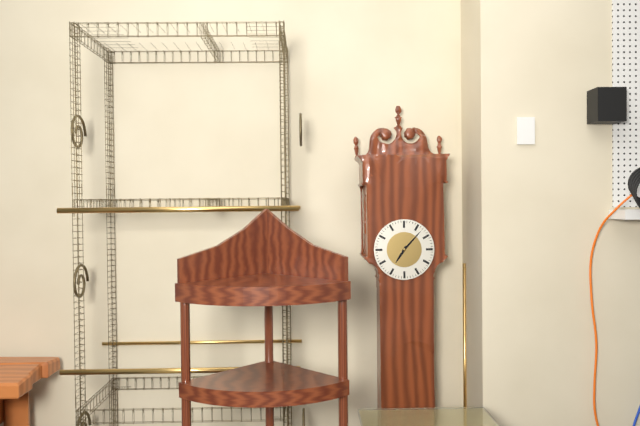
h=7 m=7
